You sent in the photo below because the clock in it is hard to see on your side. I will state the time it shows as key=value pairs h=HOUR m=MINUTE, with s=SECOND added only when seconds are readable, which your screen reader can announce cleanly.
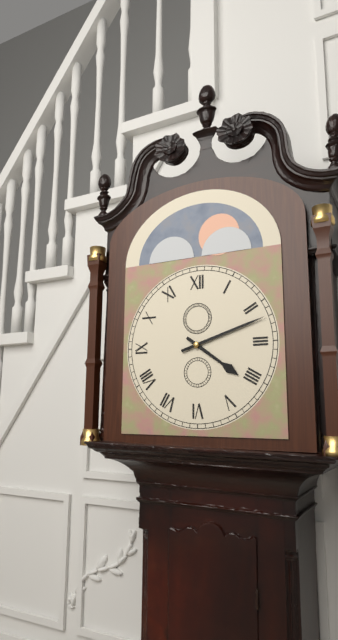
h=4 m=12
